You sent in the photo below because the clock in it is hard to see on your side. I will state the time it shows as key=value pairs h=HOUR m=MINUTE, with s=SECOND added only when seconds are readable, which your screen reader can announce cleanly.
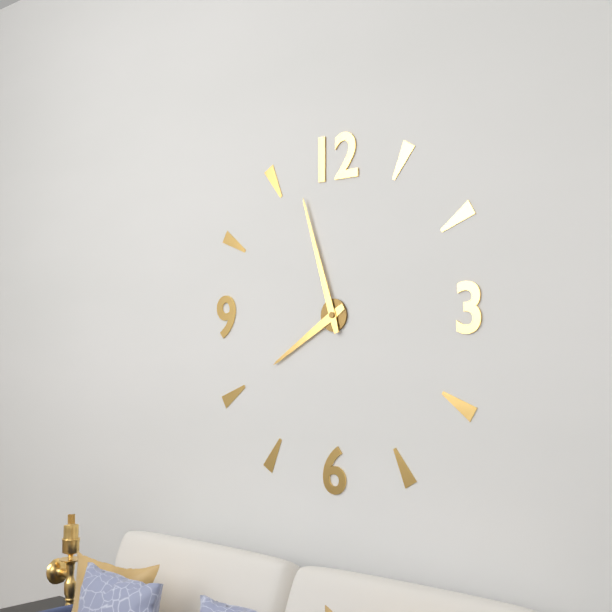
h=7 m=57
